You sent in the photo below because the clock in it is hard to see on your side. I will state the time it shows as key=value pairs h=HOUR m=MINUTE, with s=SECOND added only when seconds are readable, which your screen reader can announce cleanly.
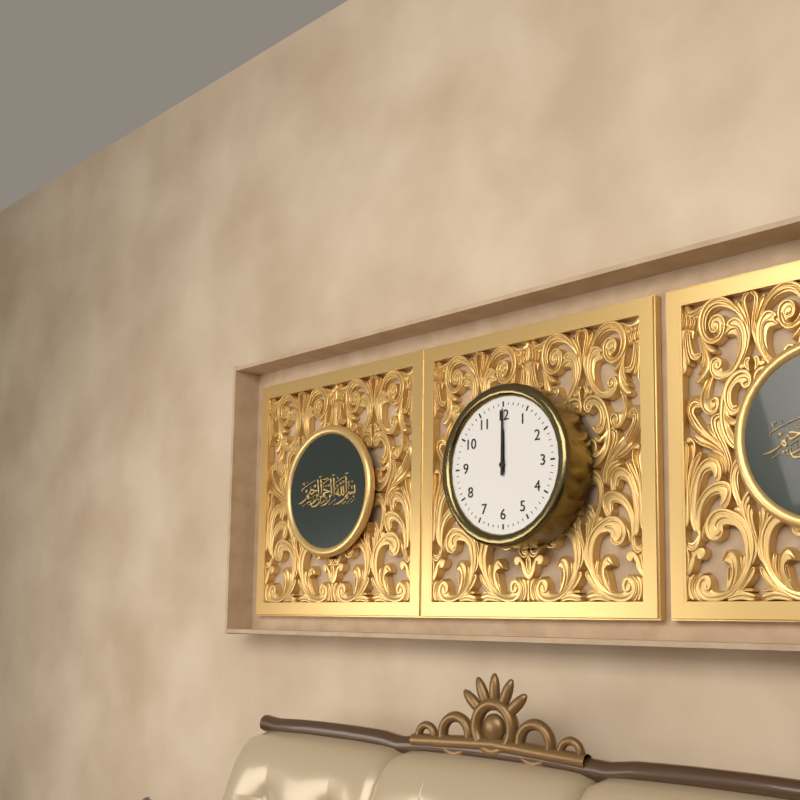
h=12 m=0
